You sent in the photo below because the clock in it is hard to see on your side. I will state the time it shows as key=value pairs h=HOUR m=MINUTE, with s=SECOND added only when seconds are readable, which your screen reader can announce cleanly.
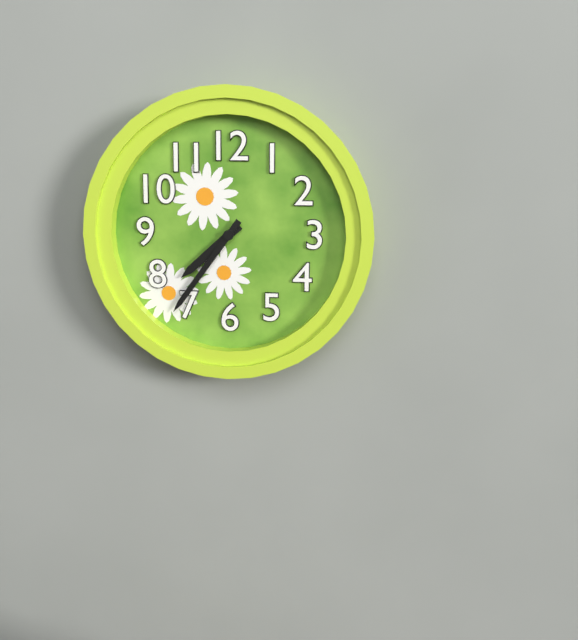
h=7 m=36
